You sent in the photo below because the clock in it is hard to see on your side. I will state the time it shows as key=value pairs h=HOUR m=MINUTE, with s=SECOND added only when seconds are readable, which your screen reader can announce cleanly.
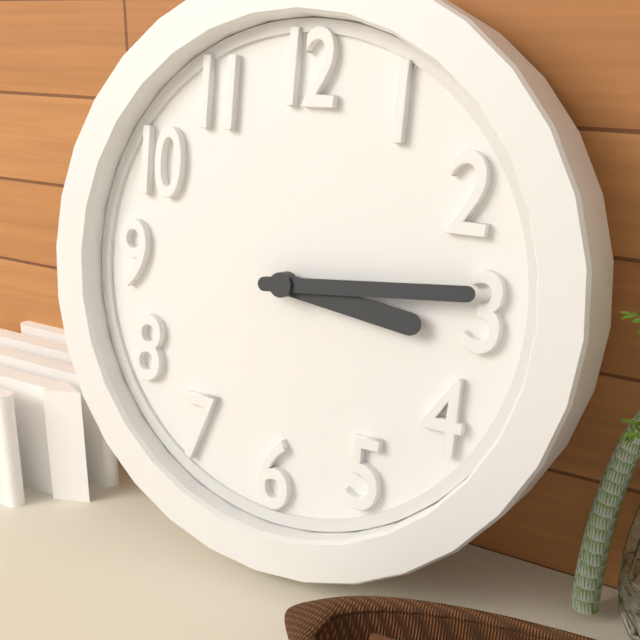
h=3 m=14
